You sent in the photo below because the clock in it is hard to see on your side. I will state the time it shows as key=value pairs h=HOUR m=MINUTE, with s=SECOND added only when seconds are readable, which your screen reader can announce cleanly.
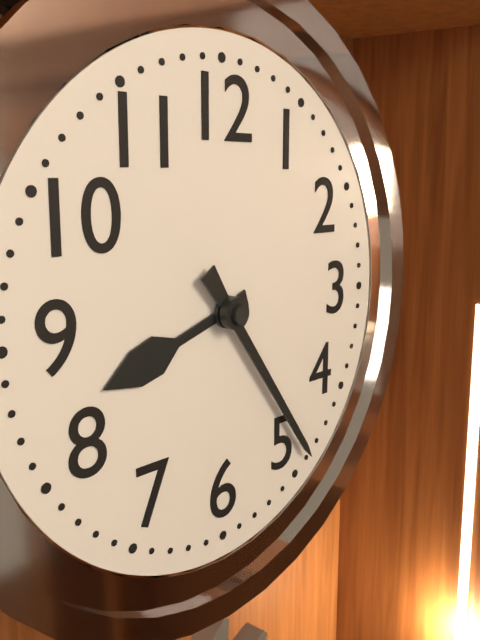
h=8 m=24
